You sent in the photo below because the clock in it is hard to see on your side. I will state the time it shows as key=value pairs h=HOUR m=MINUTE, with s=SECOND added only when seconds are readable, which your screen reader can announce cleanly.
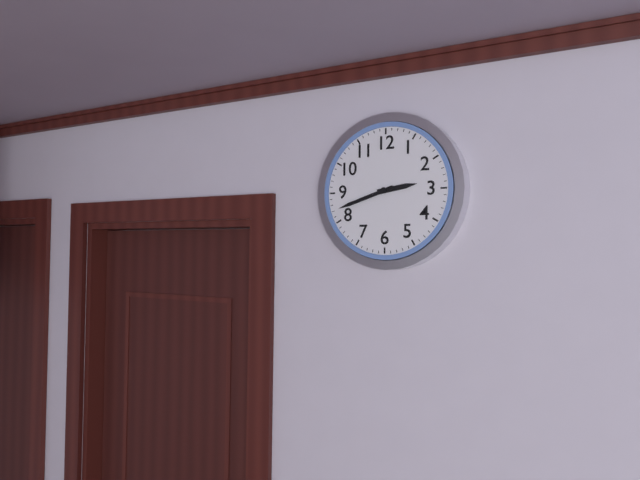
h=2 m=42
